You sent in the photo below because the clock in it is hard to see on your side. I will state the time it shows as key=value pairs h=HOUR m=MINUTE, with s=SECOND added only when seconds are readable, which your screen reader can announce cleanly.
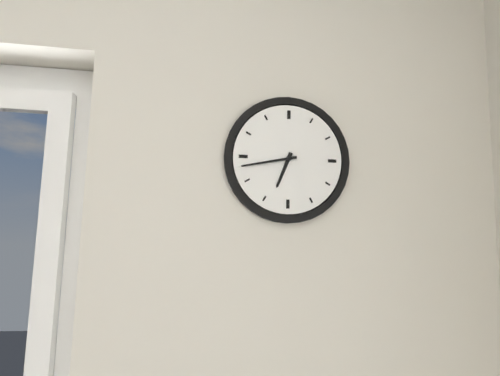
h=6 m=43
